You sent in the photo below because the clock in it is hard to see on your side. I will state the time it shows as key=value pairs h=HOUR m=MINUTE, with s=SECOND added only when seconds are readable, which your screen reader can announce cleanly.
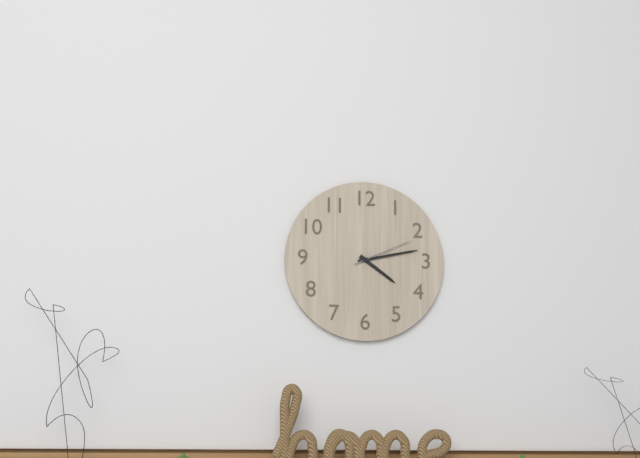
h=4 m=13 s=11
